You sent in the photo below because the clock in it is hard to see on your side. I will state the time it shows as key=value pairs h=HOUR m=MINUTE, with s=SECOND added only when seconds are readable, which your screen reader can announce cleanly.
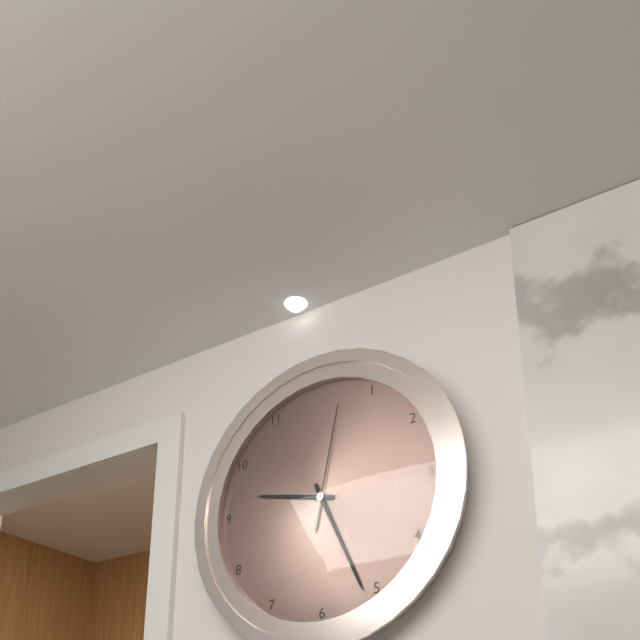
h=9 m=26 s=2
